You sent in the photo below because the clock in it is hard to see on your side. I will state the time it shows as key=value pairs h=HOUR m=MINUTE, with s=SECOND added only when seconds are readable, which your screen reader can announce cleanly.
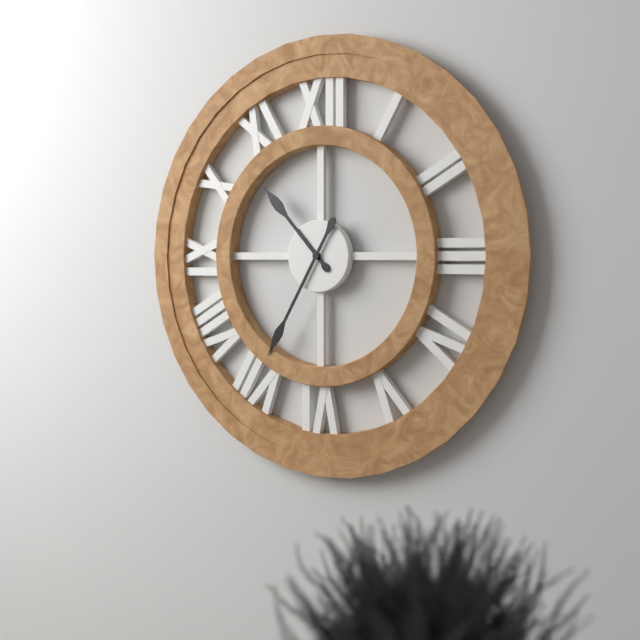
h=10 m=35
